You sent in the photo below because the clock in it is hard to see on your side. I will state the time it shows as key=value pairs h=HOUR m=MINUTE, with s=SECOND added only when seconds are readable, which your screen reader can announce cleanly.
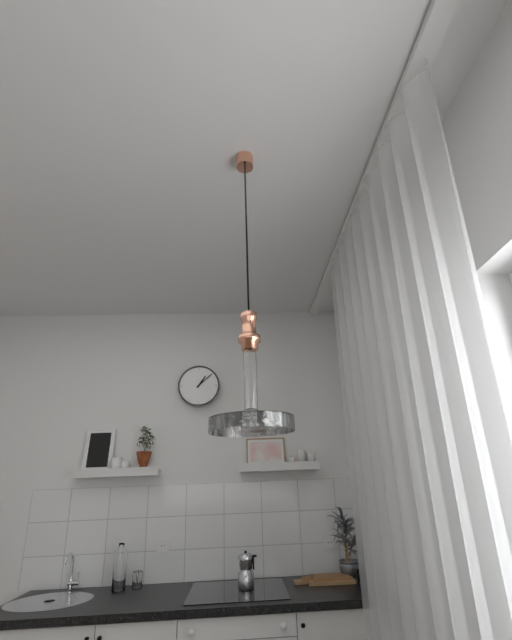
h=1 m=8
